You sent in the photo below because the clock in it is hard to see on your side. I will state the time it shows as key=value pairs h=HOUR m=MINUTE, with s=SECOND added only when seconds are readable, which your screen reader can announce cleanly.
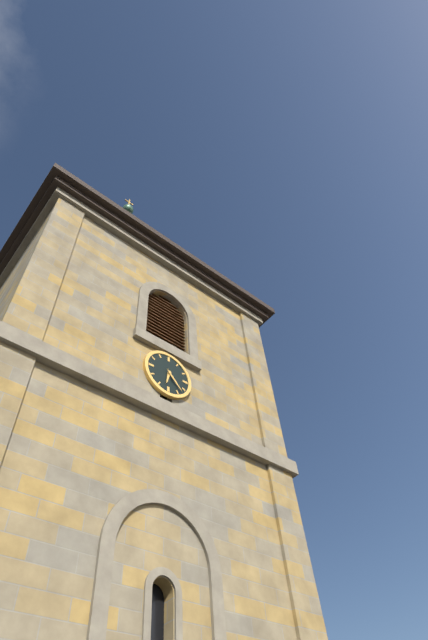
h=6 m=23
